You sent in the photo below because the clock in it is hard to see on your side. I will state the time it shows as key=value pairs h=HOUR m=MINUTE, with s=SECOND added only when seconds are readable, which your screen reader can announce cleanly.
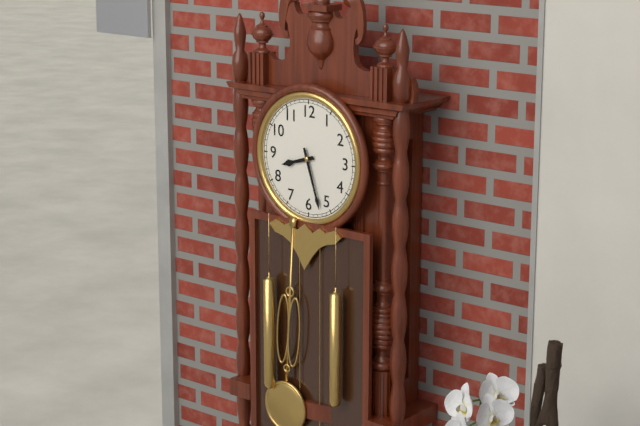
h=8 m=27
